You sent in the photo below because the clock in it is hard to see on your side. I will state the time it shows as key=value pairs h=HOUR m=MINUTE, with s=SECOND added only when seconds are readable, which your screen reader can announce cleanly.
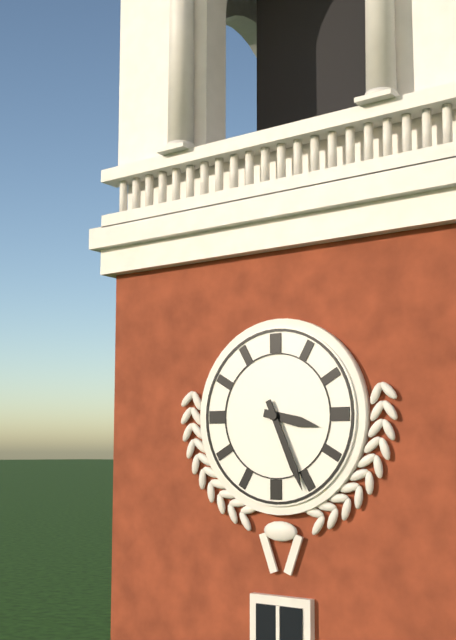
h=3 m=26
